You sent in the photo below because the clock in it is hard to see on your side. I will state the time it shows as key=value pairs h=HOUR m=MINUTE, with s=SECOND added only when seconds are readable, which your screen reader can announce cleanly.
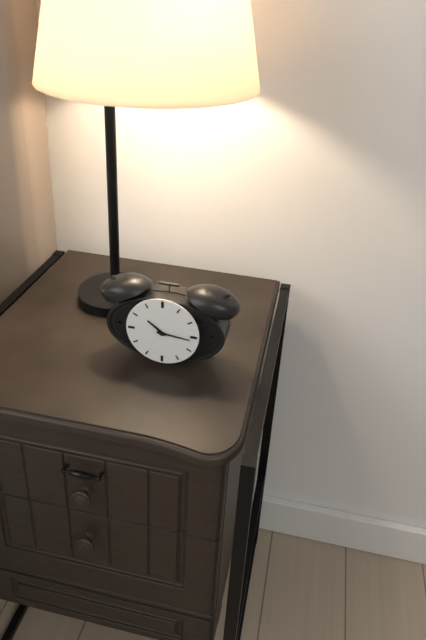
h=10 m=16
